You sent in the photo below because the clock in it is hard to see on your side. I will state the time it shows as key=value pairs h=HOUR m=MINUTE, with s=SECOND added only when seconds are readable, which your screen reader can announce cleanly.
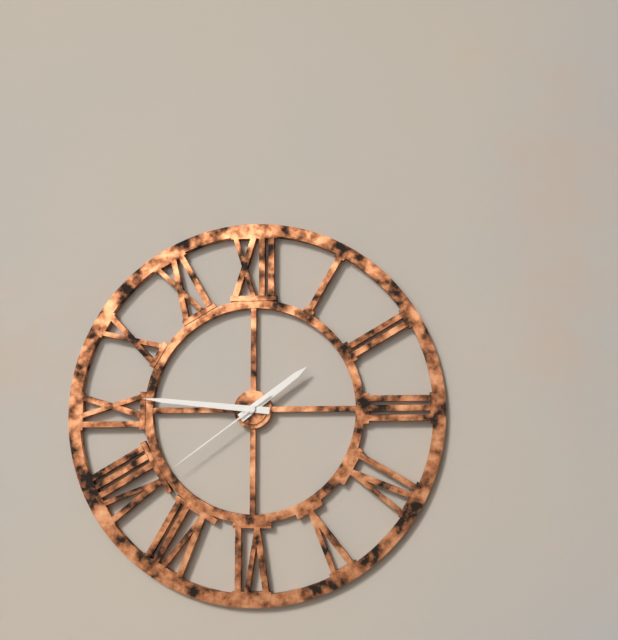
h=1 m=46 s=39
